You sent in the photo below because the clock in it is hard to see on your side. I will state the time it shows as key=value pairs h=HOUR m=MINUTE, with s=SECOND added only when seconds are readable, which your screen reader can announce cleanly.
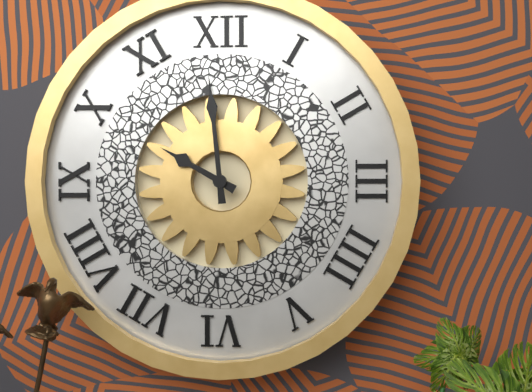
h=9 m=59
